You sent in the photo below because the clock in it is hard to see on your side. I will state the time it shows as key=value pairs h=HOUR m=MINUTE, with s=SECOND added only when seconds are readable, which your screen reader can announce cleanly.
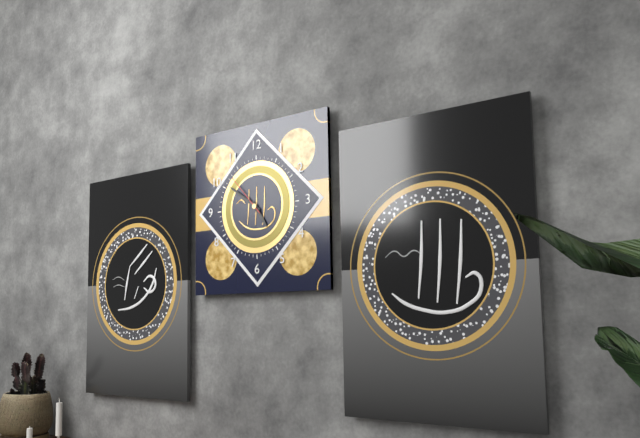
h=4 m=51
